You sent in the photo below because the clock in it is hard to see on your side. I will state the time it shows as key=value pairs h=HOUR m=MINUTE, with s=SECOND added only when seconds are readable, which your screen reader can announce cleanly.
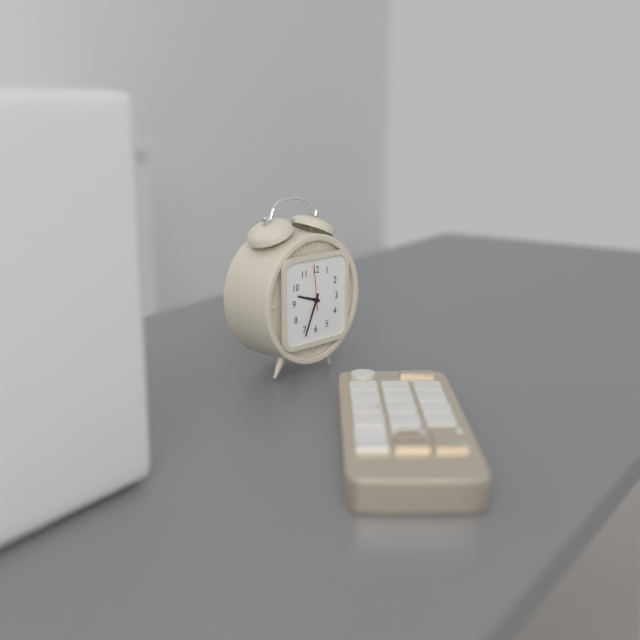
h=9 m=34
